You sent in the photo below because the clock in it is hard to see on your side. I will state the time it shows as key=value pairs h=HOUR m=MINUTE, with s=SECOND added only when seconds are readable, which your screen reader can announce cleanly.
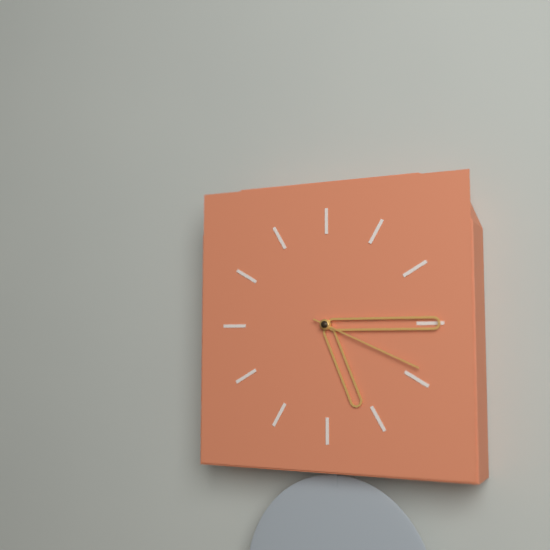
h=5 m=15 s=19
